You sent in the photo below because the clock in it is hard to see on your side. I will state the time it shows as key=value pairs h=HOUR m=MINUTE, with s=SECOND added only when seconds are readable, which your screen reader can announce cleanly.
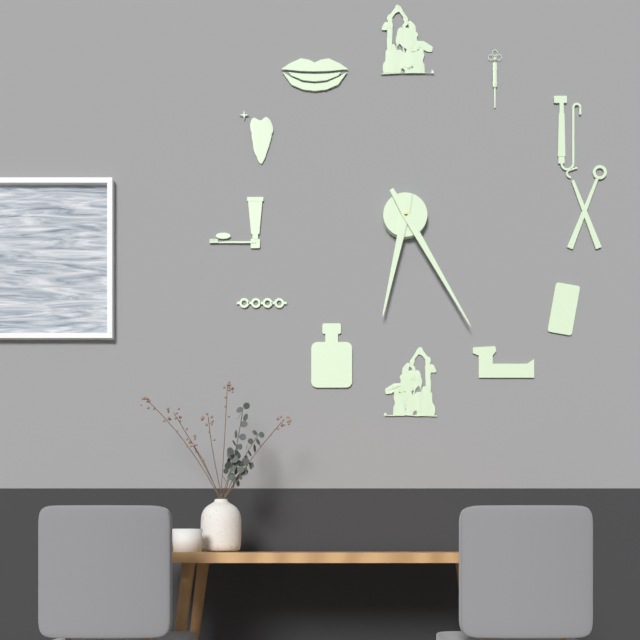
h=6 m=25
